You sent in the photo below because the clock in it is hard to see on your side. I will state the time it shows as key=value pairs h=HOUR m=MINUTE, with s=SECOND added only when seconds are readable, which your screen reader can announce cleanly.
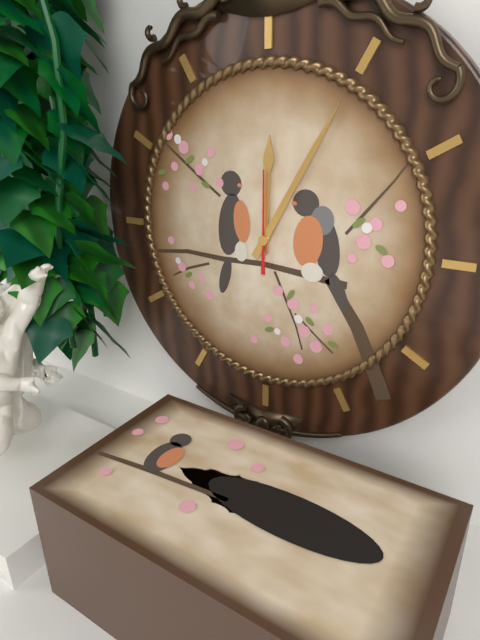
h=12 m=5 s=0
